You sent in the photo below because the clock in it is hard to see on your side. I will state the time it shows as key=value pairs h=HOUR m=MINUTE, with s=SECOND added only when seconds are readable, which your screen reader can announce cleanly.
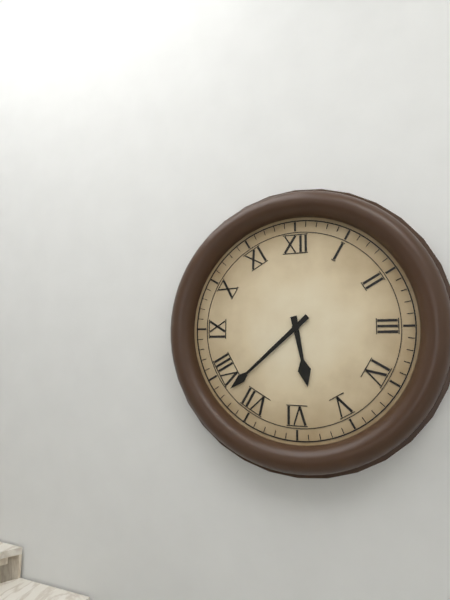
h=5 m=38
